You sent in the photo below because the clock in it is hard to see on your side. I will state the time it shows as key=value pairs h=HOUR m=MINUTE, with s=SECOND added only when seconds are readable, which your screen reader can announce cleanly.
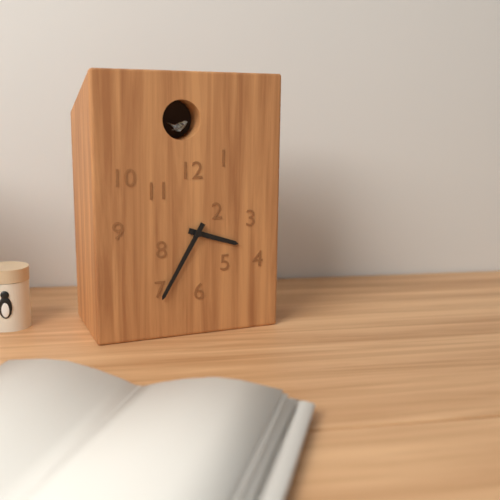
h=3 m=35
